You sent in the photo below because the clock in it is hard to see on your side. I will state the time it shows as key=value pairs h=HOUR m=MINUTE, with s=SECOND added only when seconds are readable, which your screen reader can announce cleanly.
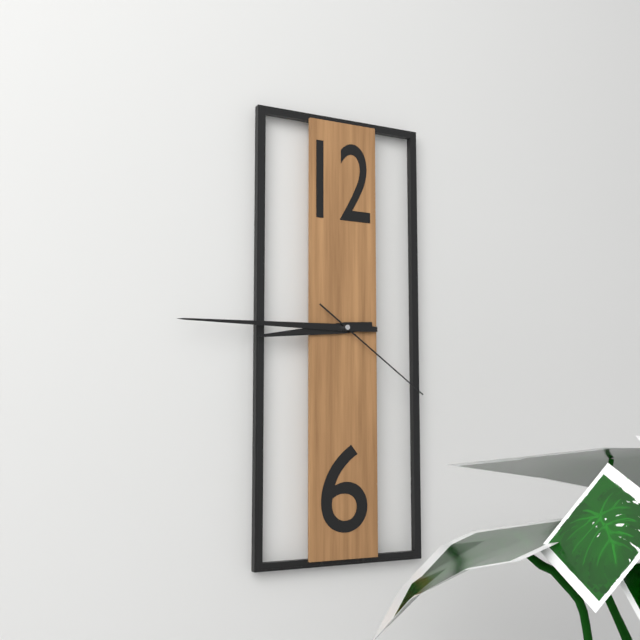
h=8 m=45 s=21
